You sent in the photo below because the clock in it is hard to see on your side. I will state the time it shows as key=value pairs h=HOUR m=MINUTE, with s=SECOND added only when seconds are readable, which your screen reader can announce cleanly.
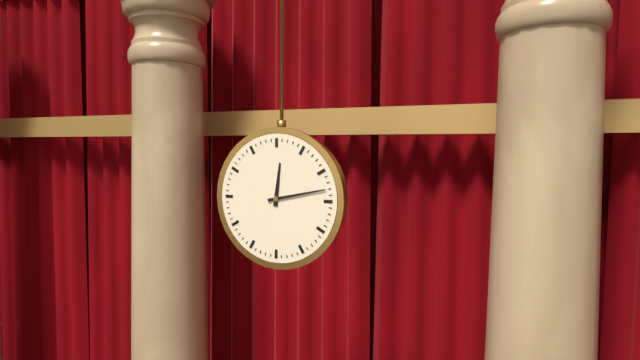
h=12 m=13
